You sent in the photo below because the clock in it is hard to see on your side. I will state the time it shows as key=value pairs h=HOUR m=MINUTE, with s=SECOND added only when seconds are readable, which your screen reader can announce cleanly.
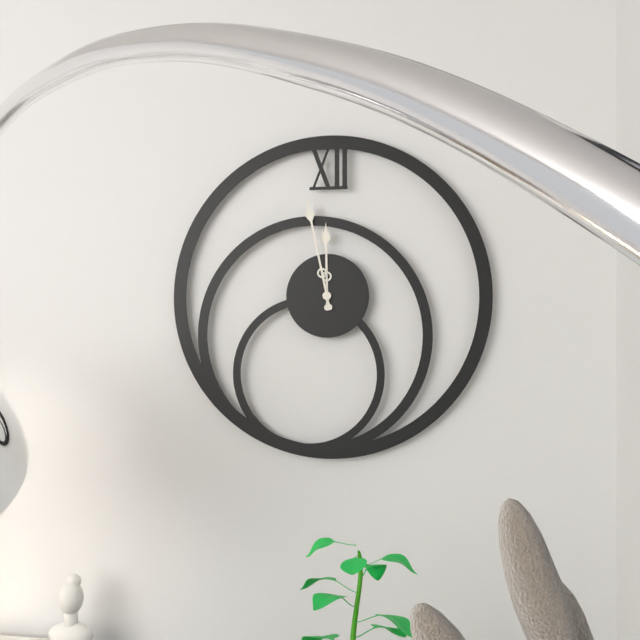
h=11 m=58
